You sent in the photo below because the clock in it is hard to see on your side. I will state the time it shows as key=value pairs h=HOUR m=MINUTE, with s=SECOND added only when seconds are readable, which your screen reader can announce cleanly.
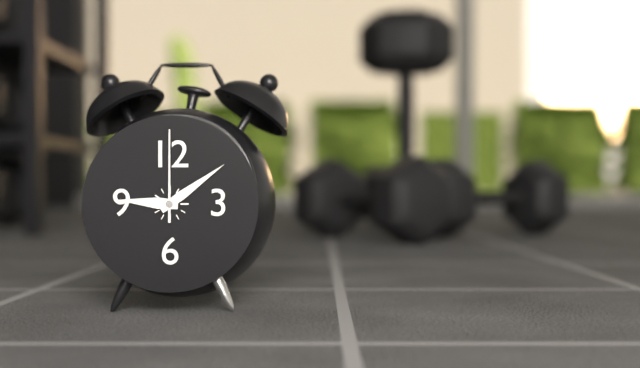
h=9 m=9 s=0
